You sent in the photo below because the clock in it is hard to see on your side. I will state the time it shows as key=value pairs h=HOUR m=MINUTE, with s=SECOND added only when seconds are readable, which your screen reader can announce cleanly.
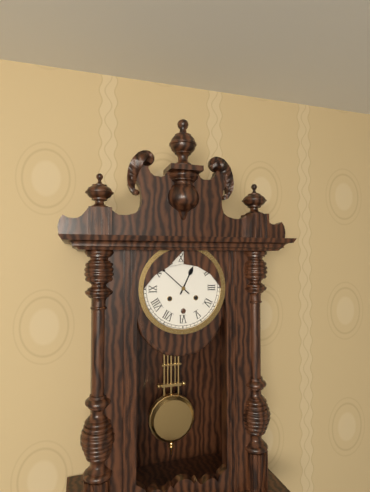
h=12 m=52
